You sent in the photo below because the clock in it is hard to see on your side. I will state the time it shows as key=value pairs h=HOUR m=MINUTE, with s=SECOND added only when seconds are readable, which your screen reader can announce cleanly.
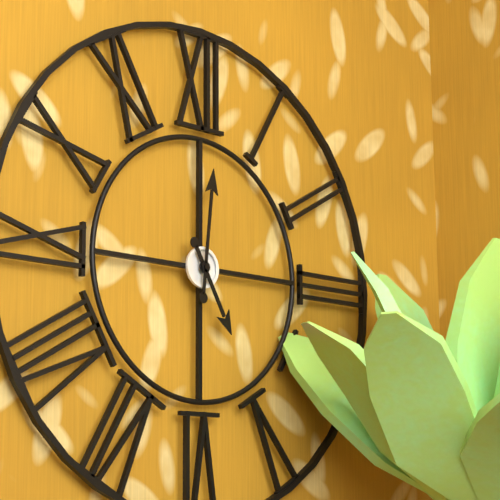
h=5 m=1
